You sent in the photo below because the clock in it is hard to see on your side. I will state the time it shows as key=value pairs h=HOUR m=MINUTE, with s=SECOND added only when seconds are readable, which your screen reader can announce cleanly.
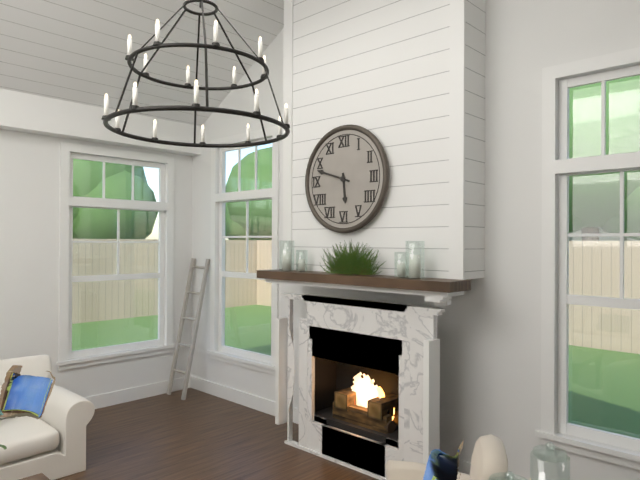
h=5 m=48
